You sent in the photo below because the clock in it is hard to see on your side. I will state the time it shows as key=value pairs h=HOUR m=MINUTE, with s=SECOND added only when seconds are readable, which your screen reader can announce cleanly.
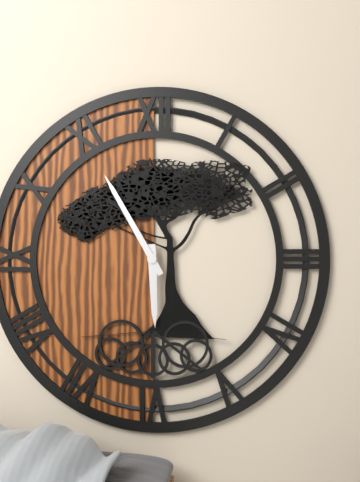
h=5 m=55
